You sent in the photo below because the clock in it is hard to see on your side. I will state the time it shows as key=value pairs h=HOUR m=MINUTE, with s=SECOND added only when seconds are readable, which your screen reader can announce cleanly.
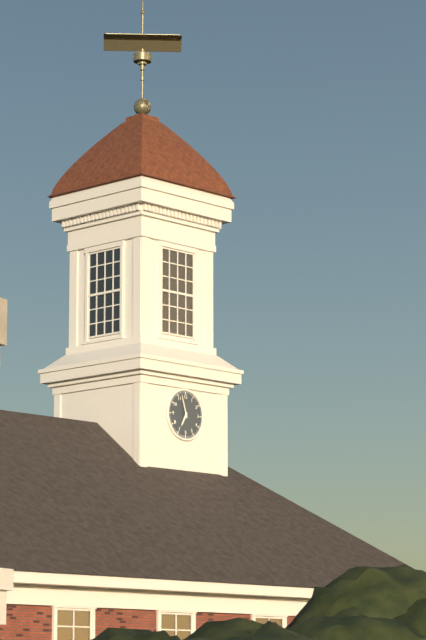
h=6 m=57
